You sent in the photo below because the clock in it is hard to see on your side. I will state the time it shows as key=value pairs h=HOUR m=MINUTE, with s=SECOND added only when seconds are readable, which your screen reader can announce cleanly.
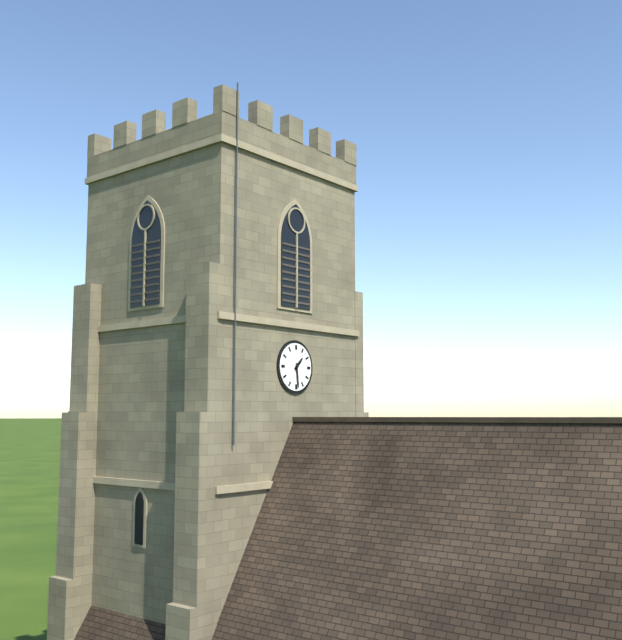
h=1 m=29
